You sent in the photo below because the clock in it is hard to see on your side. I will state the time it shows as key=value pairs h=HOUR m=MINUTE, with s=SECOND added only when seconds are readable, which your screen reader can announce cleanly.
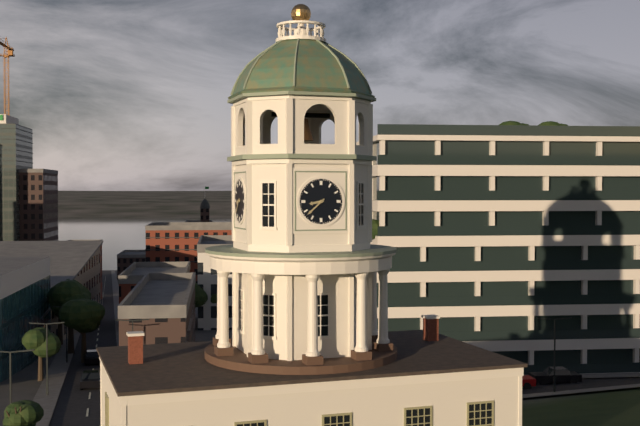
h=8 m=38
